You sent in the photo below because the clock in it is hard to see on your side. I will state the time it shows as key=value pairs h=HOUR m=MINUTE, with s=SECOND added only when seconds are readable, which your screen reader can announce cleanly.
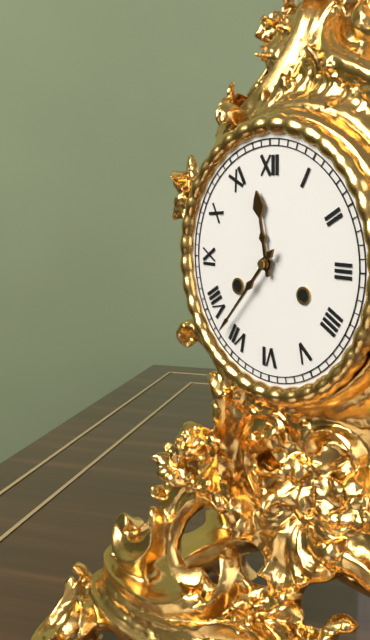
h=11 m=37
